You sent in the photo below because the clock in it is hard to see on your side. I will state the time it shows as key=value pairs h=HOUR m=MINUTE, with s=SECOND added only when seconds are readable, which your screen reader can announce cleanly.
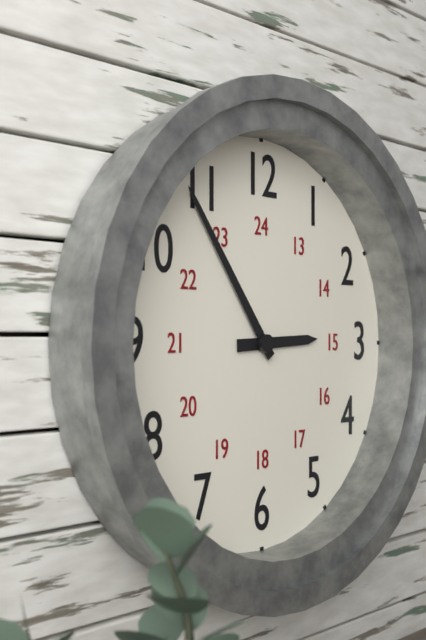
h=2 m=54
